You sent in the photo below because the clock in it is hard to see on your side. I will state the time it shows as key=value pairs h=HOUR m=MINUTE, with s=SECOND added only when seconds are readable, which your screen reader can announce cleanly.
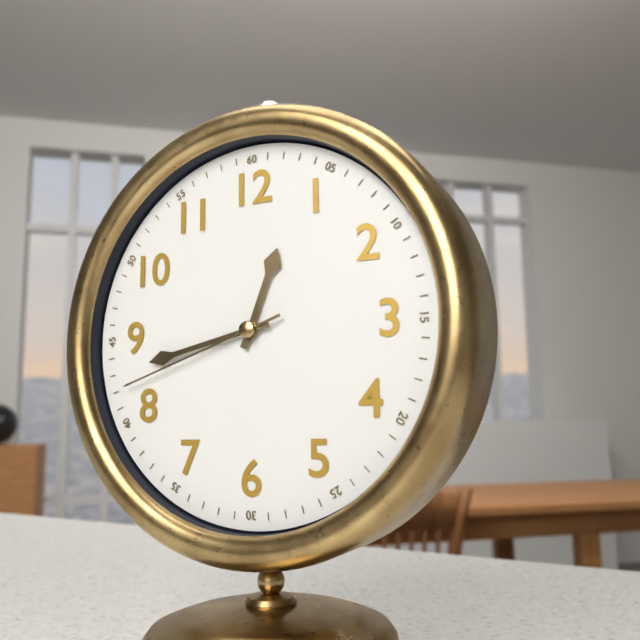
h=12 m=43 s=42
